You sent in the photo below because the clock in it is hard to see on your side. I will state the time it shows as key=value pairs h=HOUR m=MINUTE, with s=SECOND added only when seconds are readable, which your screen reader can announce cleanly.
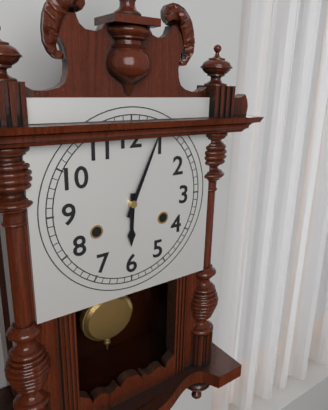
h=6 m=4
